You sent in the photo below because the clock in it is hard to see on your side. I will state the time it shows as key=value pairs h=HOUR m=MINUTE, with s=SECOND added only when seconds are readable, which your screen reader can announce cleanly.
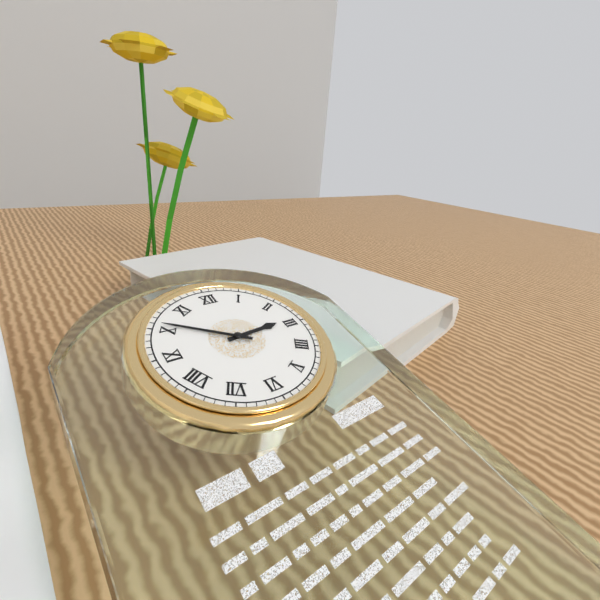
h=2 m=51
